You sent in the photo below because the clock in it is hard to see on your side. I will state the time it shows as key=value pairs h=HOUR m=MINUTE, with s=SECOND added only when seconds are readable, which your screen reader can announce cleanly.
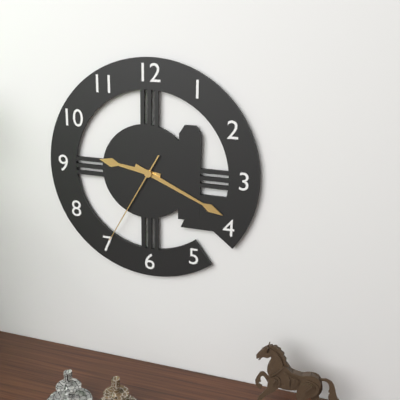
h=9 m=19 s=35
